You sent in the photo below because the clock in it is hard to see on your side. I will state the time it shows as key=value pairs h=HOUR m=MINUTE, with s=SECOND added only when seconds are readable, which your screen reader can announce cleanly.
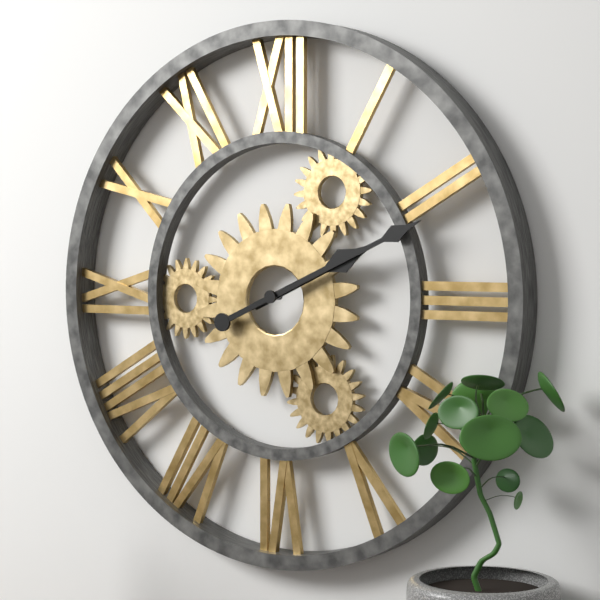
h=2 m=11
